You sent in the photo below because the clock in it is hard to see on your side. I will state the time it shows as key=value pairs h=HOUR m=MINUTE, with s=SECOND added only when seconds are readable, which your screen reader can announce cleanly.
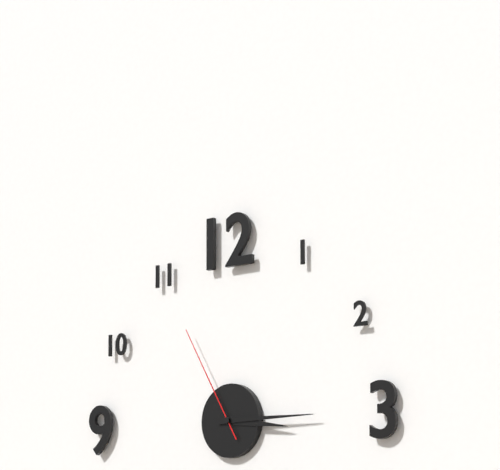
h=3 m=15 s=55
